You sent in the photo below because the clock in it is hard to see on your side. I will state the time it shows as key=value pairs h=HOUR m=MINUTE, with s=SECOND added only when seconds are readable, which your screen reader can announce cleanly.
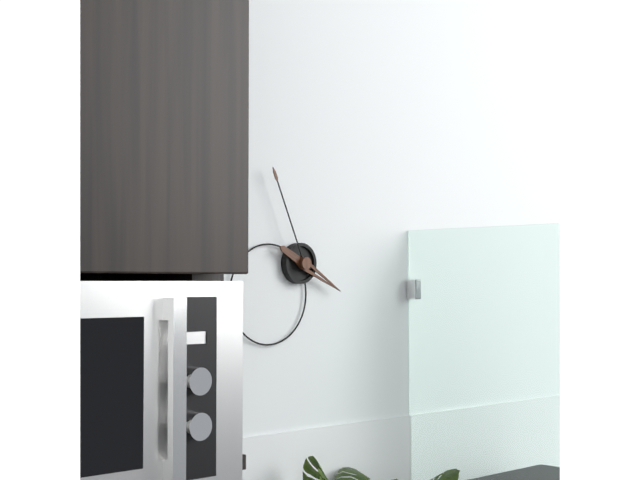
h=3 m=56
